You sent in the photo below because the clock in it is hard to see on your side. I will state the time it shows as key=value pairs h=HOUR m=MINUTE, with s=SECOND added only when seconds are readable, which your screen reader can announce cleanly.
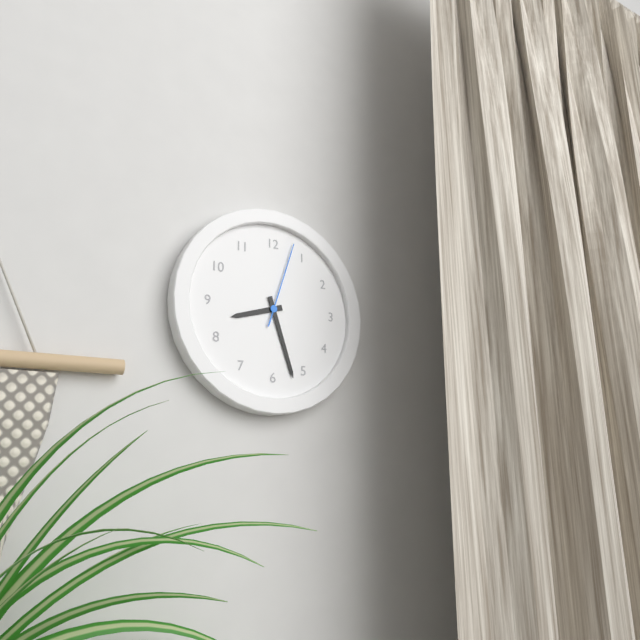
h=8 m=27 s=3
